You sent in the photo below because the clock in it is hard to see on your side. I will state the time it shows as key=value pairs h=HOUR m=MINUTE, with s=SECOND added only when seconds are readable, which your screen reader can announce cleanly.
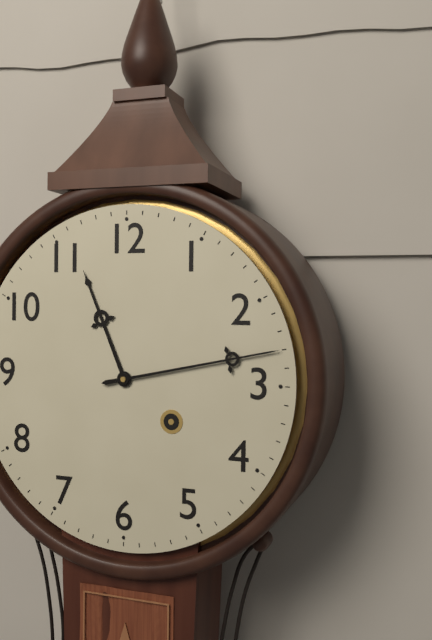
h=11 m=13
